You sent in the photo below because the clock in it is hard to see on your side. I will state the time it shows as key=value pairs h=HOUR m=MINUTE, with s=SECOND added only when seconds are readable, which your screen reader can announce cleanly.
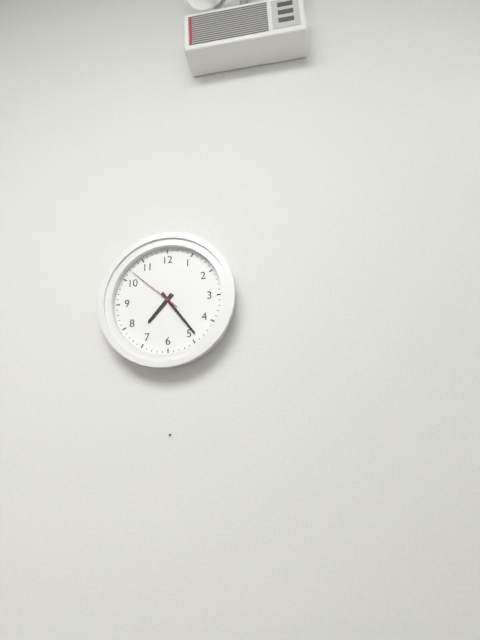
h=7 m=24 s=52
